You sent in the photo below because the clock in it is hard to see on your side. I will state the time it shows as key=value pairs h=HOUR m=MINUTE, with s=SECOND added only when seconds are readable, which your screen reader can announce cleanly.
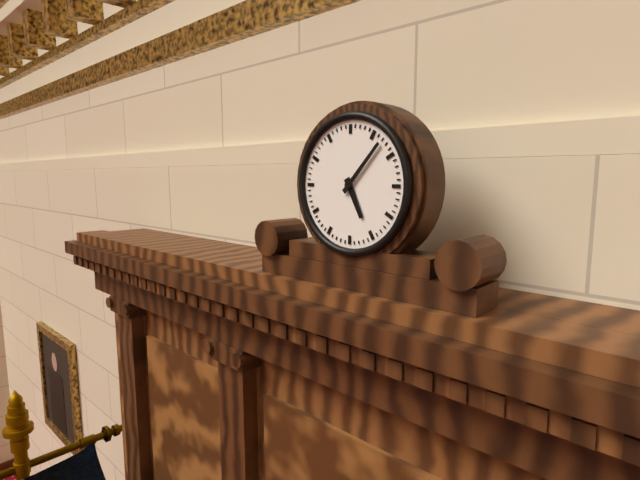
h=5 m=7
